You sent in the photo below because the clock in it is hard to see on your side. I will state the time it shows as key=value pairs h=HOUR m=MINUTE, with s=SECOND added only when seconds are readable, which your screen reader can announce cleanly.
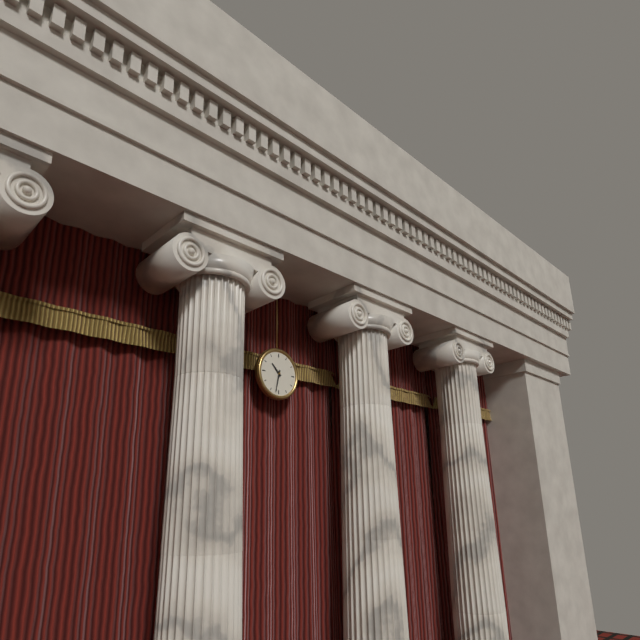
h=10 m=32
